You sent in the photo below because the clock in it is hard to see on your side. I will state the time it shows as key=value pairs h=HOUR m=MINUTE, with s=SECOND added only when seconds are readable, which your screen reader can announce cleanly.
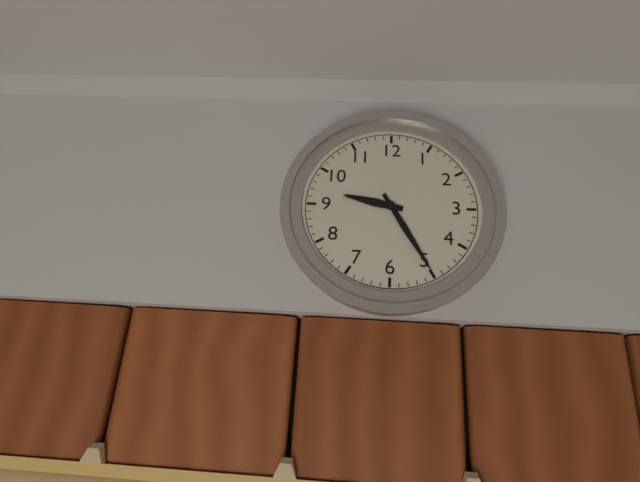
h=9 m=25
